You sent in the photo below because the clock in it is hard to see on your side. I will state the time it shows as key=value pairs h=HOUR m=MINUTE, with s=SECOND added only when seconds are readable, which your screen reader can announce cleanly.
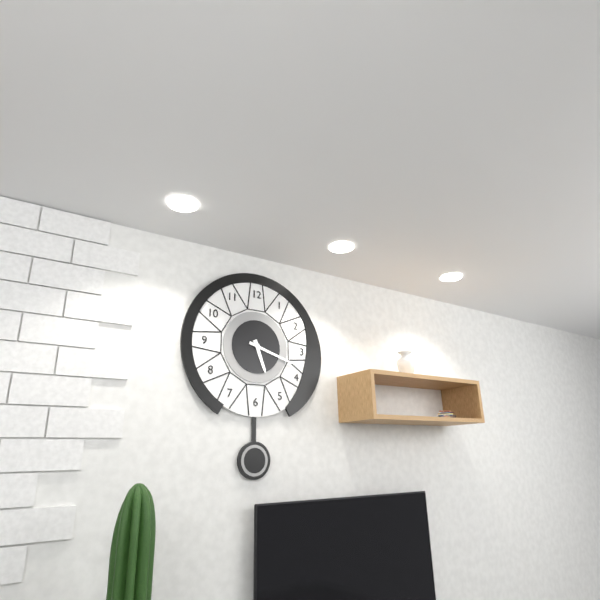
h=5 m=18
